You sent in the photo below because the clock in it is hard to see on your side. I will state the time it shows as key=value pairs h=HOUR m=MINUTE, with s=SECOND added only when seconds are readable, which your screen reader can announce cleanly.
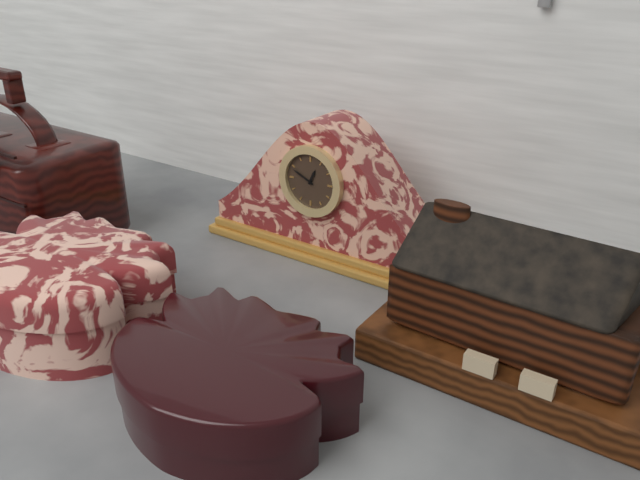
h=12 m=49
